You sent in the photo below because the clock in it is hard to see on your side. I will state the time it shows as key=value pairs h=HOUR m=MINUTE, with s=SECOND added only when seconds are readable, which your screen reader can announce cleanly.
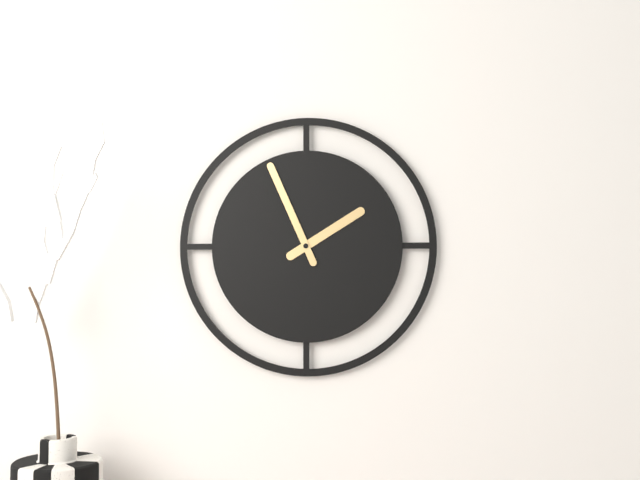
h=1 m=56
